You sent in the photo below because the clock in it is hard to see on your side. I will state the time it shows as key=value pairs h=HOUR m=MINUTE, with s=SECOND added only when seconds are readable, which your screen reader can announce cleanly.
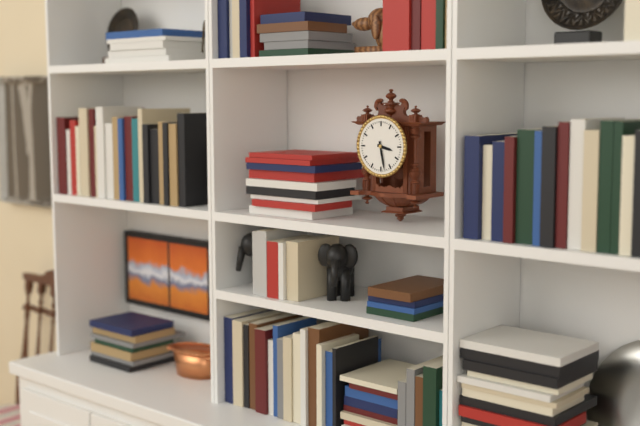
h=3 m=28
